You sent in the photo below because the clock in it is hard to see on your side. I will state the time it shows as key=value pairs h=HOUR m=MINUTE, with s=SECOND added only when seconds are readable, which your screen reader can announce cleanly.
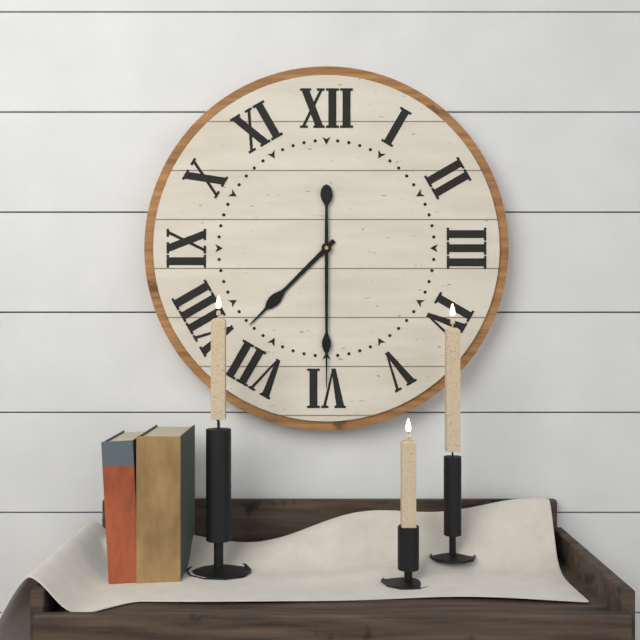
h=7 m=30
